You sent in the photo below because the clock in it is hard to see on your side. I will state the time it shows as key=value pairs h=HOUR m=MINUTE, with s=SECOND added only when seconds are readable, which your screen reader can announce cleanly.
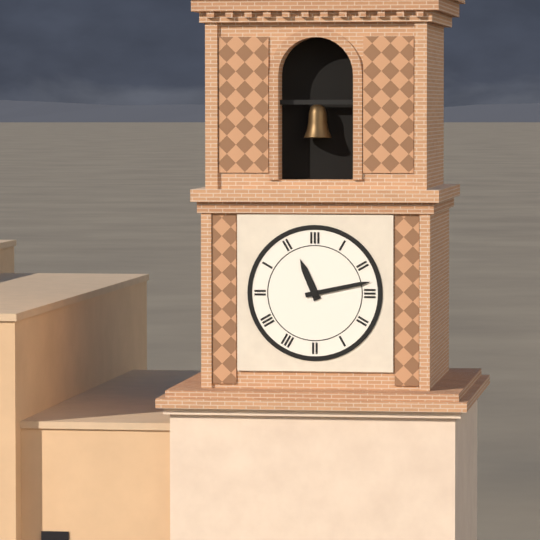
h=11 m=13
